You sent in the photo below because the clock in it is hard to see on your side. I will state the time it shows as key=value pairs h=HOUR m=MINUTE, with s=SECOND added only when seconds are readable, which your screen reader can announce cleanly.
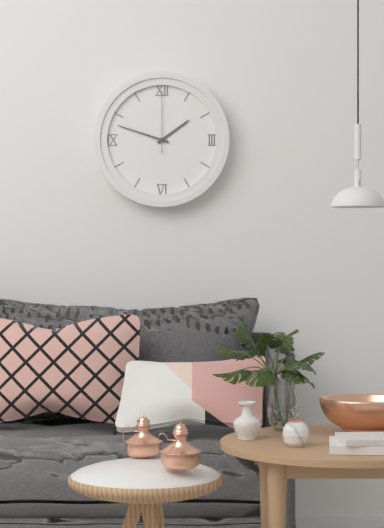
h=1 m=48 s=0
